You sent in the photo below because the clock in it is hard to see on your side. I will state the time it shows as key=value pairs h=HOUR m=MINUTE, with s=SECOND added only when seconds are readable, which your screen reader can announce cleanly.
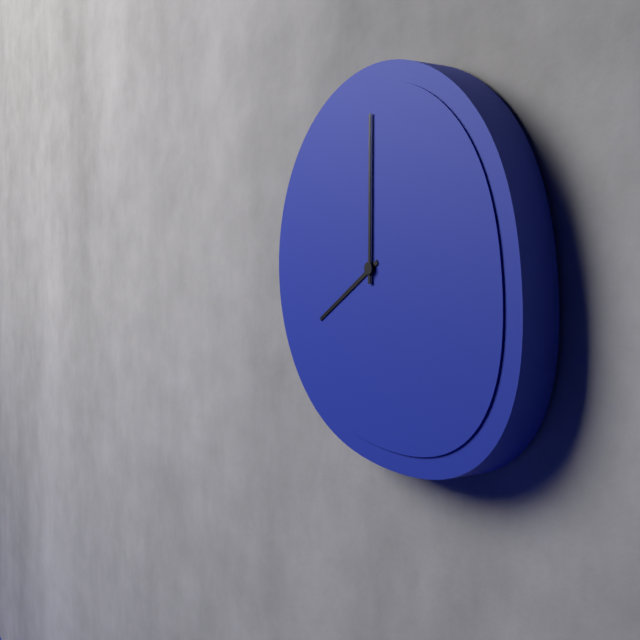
h=8 m=0
